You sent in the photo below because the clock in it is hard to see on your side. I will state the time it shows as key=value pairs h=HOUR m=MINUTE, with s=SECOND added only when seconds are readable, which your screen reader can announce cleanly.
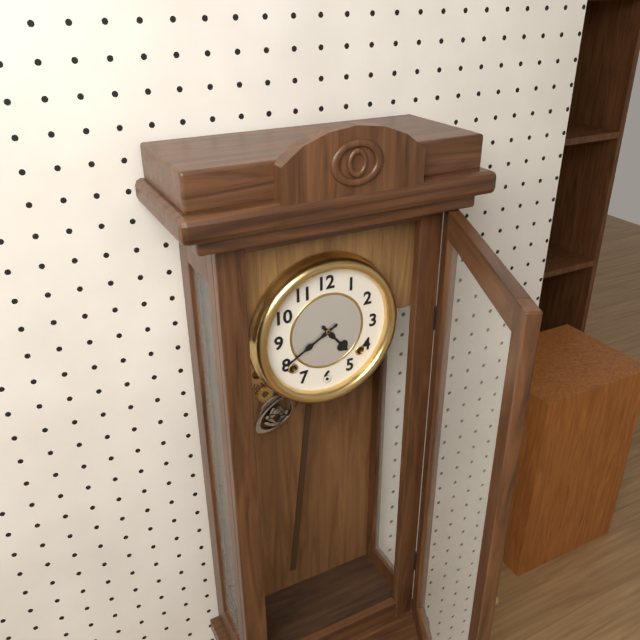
h=4 m=40
